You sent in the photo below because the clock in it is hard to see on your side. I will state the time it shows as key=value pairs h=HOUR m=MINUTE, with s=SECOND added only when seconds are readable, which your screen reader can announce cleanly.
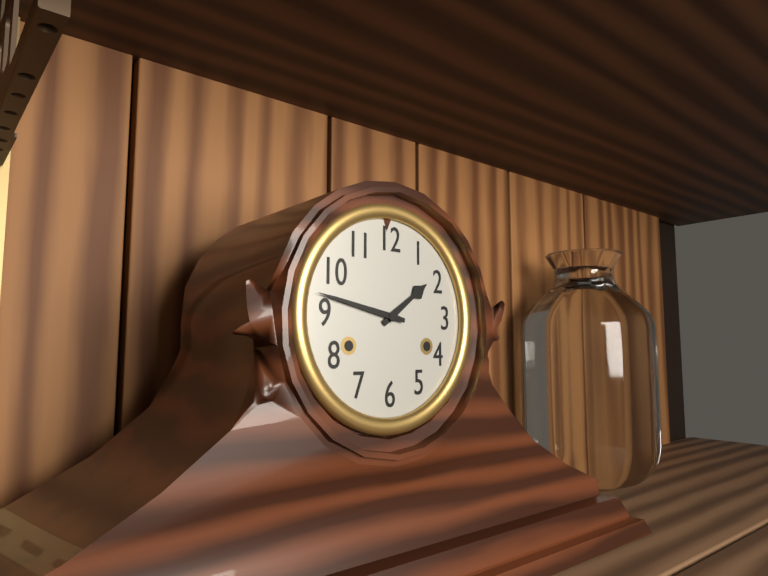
h=1 m=47
